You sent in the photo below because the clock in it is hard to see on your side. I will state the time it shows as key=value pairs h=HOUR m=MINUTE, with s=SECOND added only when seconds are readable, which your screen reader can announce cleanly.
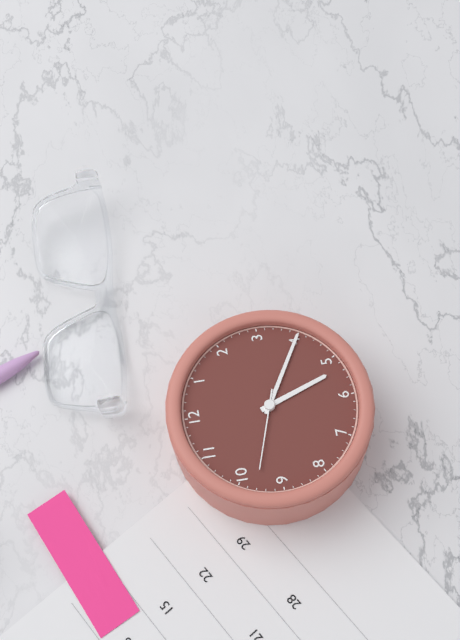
h=5 m=20 s=48
